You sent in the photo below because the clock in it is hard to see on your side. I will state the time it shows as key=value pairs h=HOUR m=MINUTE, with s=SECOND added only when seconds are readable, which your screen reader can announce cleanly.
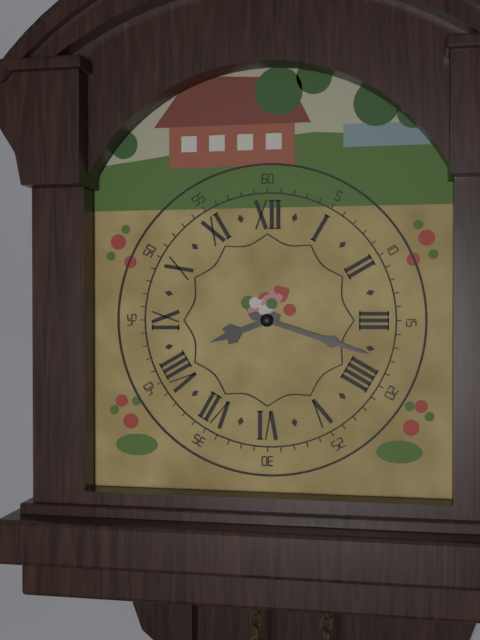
h=8 m=18
